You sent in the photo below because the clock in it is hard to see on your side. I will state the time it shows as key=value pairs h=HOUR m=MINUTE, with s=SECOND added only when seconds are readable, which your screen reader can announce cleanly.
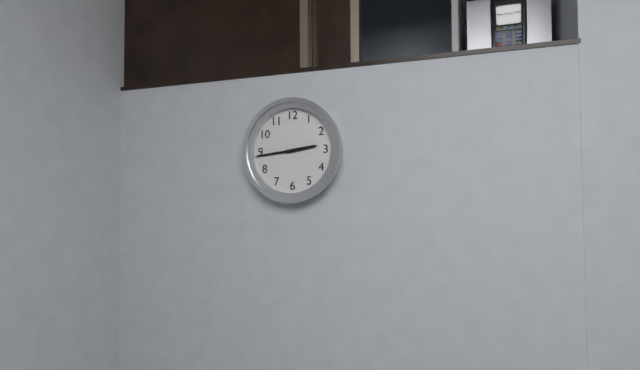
h=2 m=44
